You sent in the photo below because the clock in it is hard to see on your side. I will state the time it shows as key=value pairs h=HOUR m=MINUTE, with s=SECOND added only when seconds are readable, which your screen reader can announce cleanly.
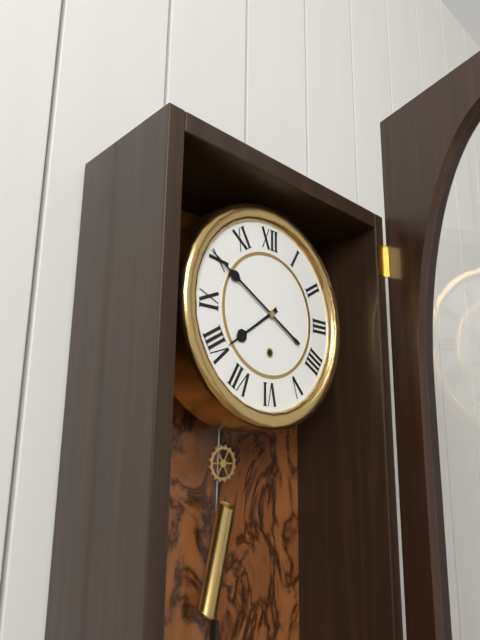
h=7 m=50
